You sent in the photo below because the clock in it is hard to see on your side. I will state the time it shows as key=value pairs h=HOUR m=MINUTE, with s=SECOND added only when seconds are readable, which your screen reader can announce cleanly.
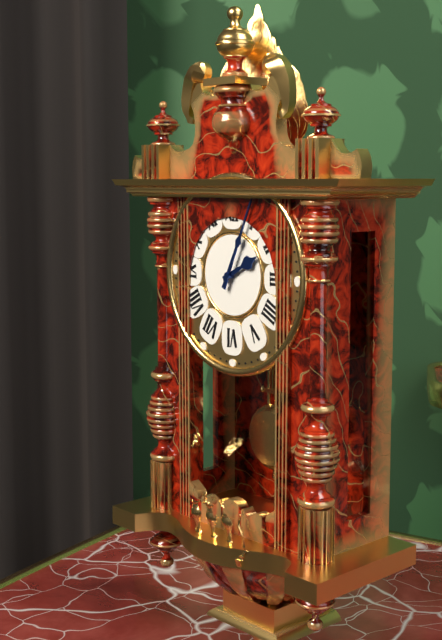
h=2 m=4
